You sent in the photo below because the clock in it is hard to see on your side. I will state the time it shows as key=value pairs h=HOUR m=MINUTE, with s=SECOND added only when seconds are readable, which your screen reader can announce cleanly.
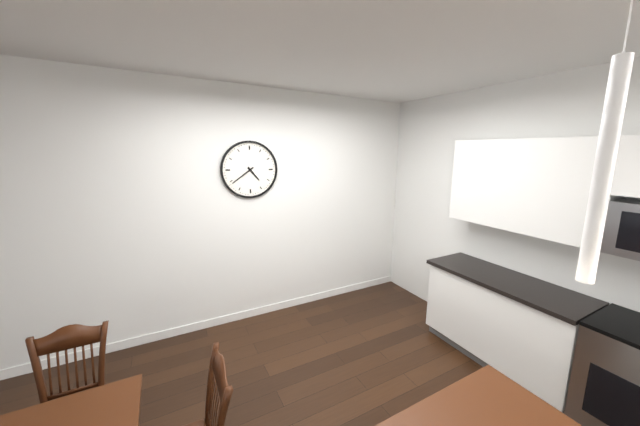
h=4 m=39
